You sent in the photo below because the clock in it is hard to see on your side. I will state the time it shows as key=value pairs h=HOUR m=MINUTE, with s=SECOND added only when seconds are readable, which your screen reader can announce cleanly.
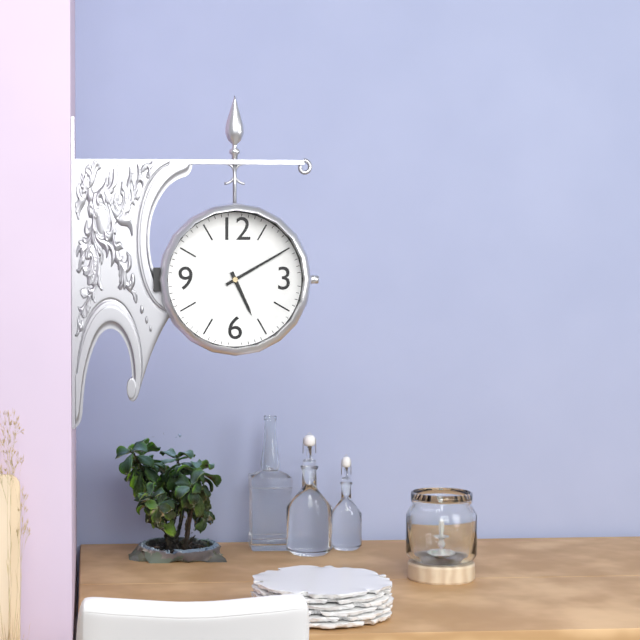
h=5 m=10
